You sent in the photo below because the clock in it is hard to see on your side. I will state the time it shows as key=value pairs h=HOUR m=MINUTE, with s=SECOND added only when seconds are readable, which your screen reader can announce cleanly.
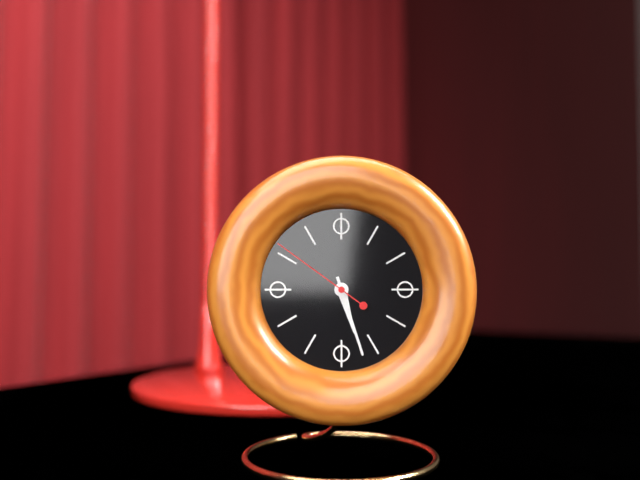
h=5 m=27 s=51
